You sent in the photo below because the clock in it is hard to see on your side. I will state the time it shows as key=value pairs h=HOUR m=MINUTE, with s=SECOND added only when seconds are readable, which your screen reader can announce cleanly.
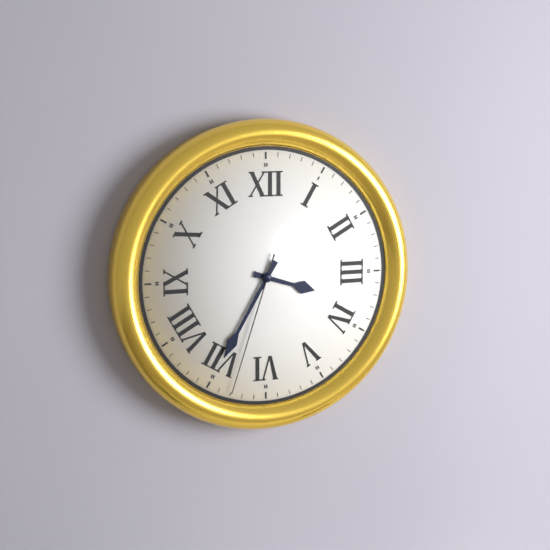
h=3 m=35 s=33
